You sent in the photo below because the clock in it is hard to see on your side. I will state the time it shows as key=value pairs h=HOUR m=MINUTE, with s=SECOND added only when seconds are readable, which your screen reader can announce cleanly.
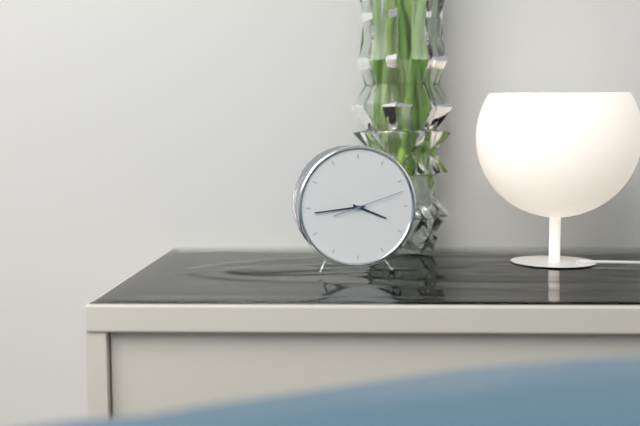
h=3 m=44 s=12
